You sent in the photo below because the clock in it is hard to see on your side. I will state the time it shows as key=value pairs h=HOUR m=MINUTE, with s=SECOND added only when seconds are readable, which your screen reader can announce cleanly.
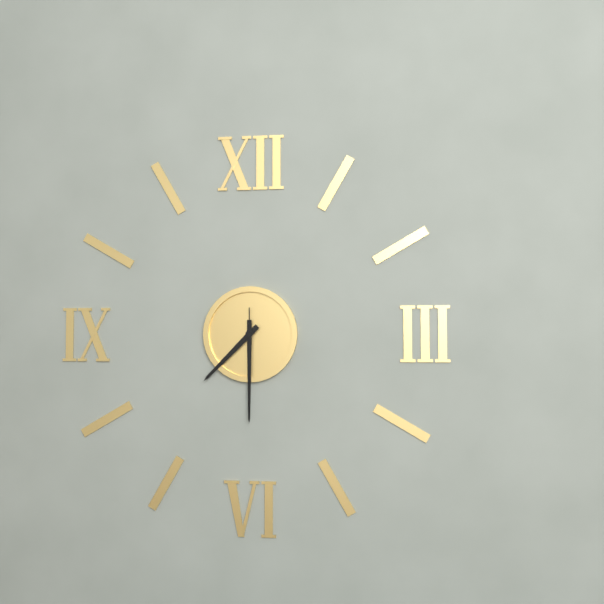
h=7 m=30 s=30
